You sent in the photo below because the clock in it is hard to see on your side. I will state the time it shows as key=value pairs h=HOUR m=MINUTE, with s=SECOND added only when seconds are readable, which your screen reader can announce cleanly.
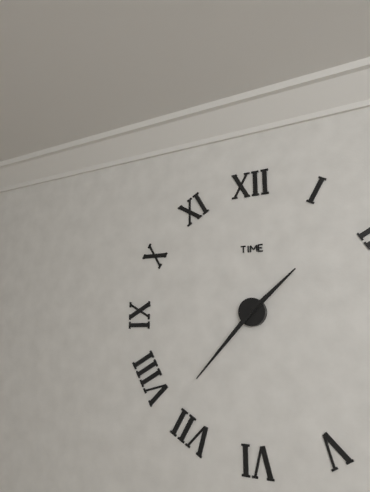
h=1 m=37
